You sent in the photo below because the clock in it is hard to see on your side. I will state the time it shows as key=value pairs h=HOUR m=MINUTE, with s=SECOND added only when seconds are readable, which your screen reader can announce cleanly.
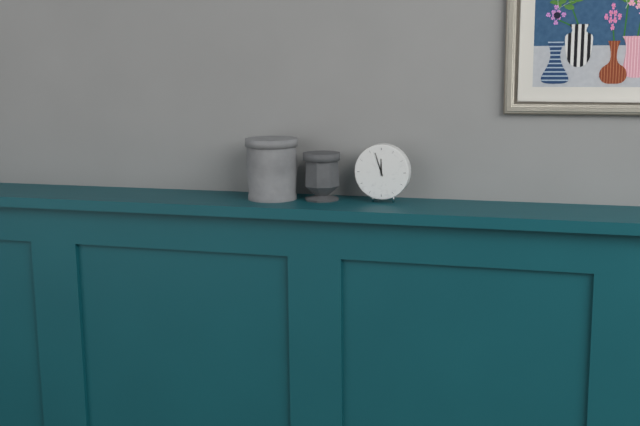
h=11 m=57
